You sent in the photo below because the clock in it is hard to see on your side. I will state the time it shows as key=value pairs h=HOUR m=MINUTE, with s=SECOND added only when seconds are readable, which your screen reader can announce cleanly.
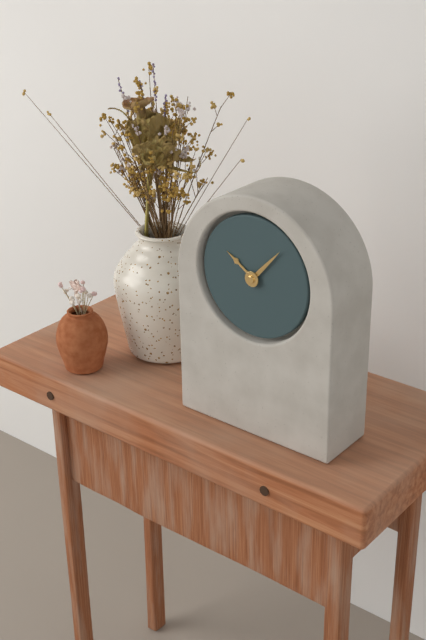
h=10 m=7
